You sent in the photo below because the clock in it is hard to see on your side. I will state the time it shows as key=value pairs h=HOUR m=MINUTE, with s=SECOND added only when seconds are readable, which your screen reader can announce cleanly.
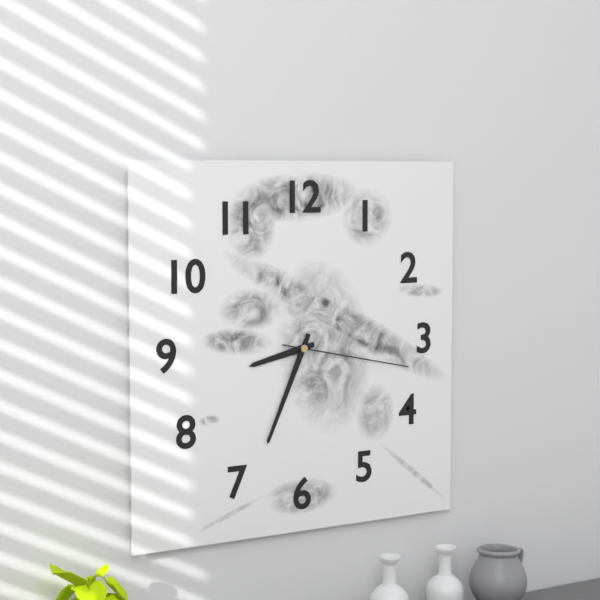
h=8 m=34 s=17
